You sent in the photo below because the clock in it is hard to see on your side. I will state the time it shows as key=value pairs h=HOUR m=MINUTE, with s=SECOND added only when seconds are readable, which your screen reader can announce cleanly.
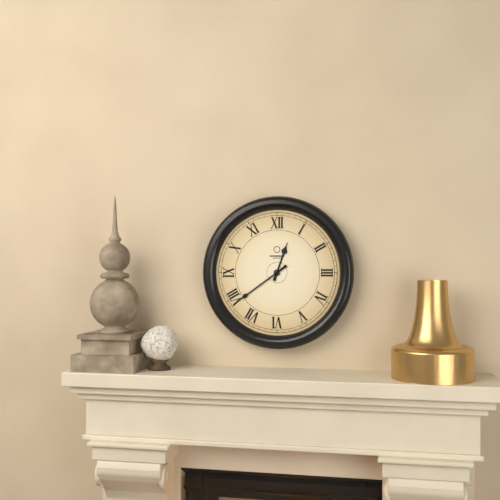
h=12 m=39
